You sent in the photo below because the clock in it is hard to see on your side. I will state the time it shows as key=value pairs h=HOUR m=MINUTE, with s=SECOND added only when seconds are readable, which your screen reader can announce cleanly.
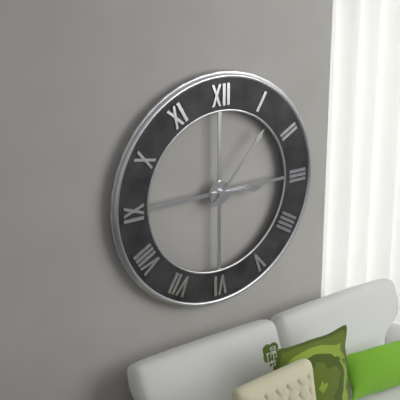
h=3 m=7
